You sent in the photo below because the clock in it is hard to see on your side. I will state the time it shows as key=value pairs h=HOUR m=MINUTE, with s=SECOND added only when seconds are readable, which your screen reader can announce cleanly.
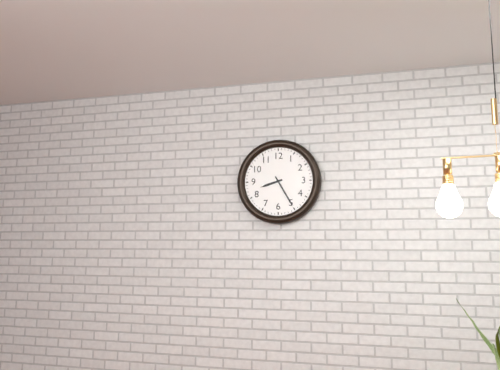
h=8 m=25
